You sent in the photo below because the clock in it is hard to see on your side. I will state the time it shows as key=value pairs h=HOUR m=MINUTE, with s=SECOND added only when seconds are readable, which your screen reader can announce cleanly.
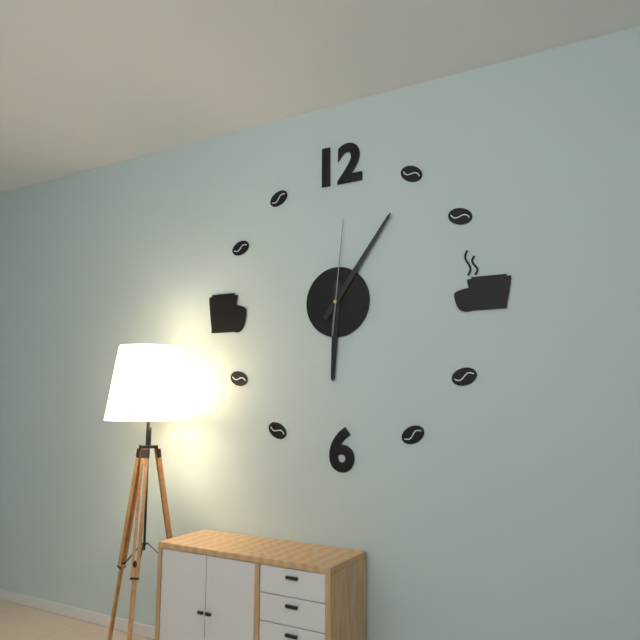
h=6 m=6 s=1
